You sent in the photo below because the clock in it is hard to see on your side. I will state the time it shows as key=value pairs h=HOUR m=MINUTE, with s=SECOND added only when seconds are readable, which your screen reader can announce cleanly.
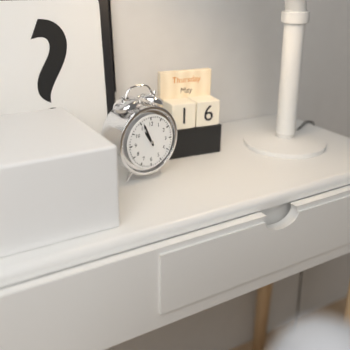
h=10 m=56
